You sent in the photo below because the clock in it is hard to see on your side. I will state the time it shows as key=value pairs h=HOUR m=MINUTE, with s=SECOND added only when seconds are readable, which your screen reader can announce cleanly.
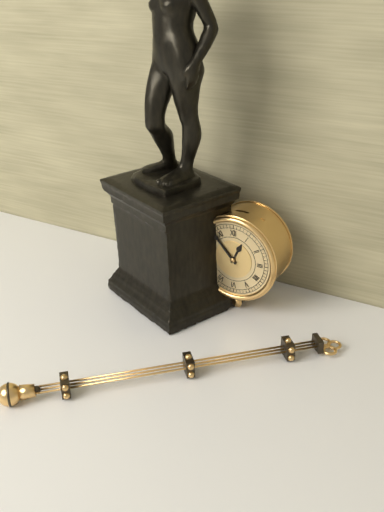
h=12 m=53
